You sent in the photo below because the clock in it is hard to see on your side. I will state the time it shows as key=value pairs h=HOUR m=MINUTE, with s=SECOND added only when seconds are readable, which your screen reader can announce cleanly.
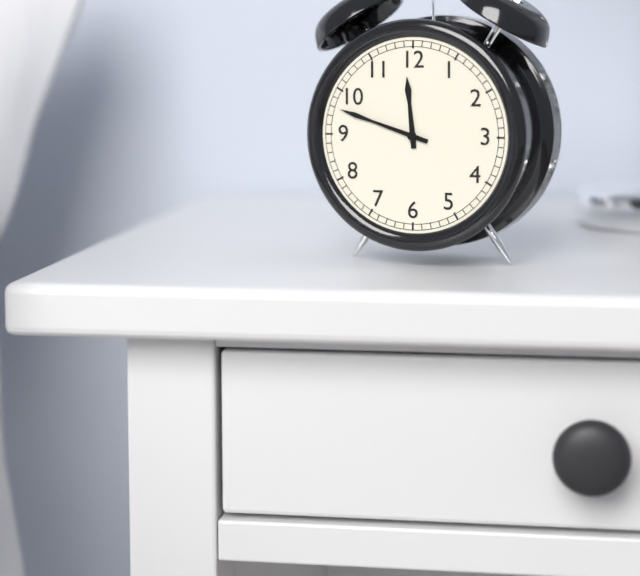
h=11 m=48
